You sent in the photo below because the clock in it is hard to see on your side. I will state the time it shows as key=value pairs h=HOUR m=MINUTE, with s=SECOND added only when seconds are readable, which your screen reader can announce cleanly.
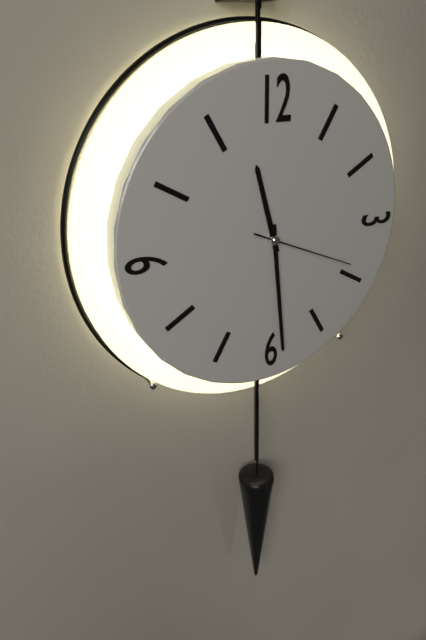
h=11 m=29 s=19
